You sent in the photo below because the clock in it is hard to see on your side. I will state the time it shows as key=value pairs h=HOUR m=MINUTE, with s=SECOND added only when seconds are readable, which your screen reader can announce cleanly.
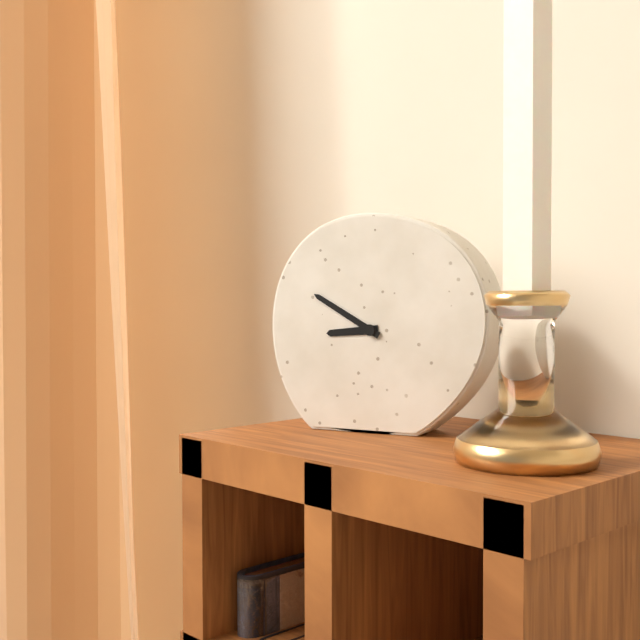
h=8 m=50
